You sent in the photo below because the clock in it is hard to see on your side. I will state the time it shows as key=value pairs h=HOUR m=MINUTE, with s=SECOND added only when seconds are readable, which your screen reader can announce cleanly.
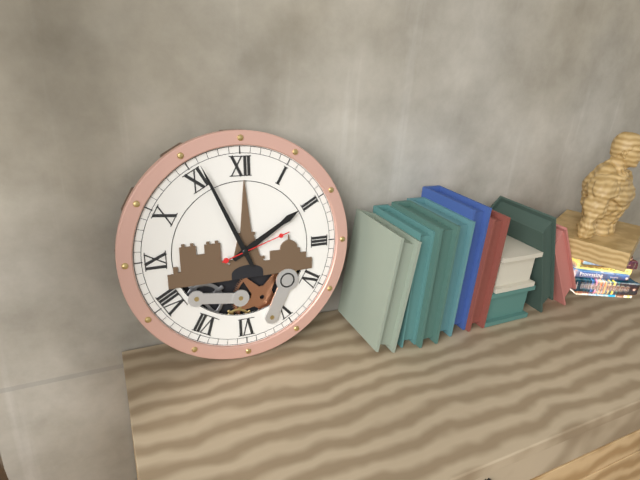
h=1 m=56 s=12
